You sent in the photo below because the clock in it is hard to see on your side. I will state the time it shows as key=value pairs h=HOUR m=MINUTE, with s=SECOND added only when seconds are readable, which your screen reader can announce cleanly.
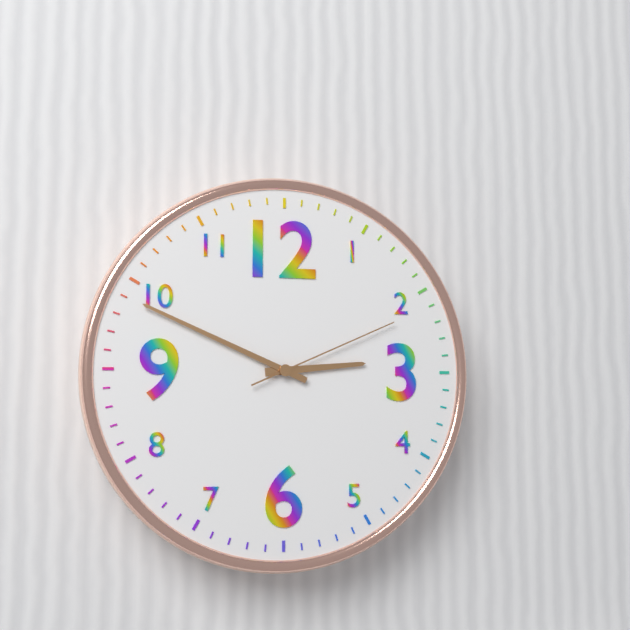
h=2 m=49 s=11
